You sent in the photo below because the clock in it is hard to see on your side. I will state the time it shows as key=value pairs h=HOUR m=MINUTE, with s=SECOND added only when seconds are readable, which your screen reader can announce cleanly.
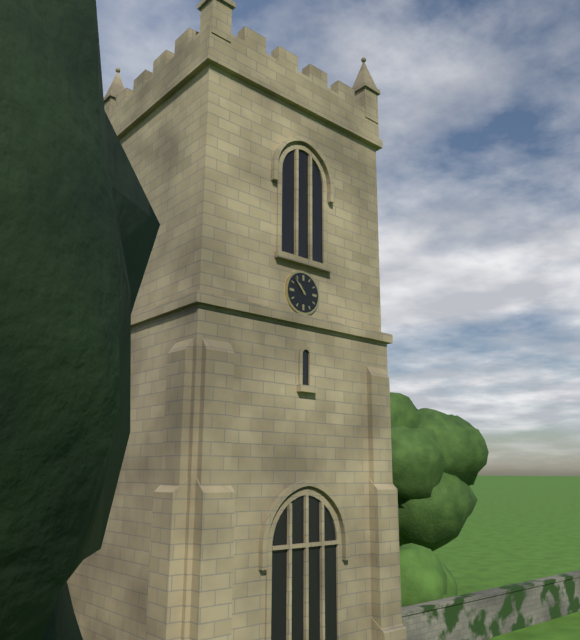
h=10 m=53
